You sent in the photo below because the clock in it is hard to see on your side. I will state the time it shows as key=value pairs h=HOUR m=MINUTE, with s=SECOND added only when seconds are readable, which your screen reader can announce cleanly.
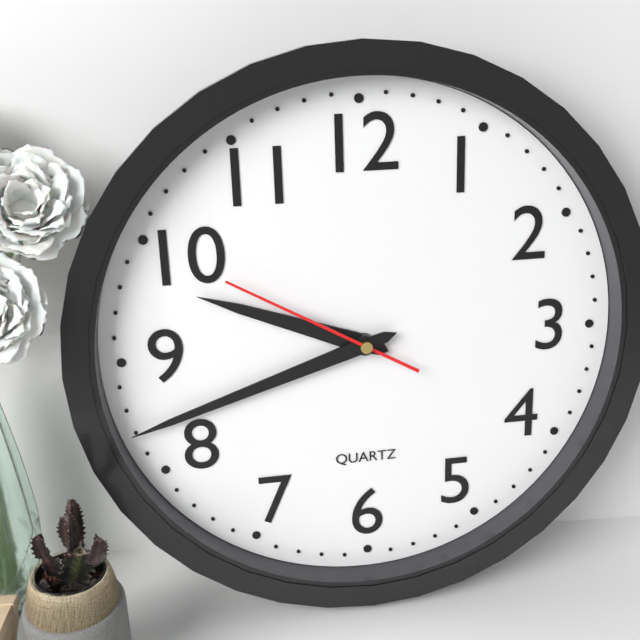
h=9 m=42 s=50
